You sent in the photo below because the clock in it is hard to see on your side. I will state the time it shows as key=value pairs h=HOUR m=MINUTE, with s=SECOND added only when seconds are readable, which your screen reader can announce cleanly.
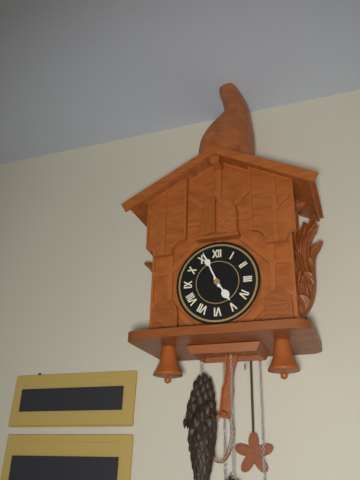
h=4 m=56
